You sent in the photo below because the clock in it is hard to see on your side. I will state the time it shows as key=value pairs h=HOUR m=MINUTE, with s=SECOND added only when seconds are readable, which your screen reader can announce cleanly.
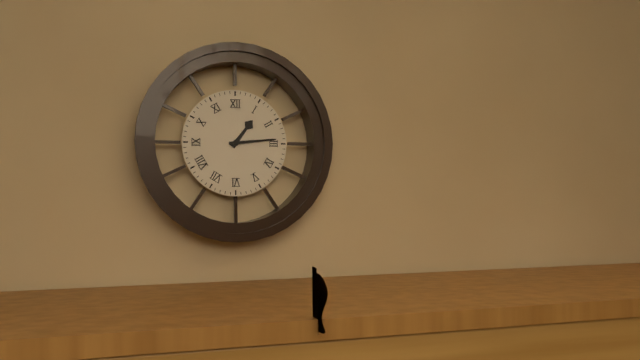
h=1 m=14
